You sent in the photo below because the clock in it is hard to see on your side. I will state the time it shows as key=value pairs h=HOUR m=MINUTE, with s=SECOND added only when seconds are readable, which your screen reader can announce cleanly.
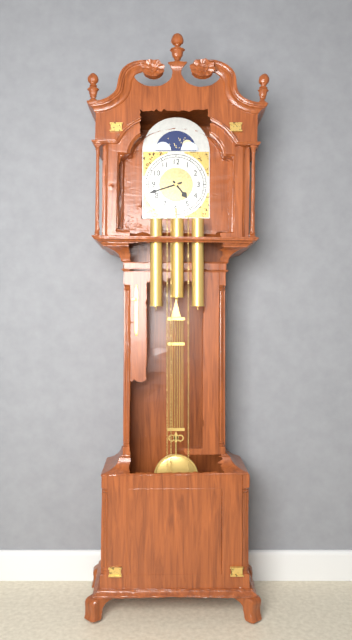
h=4 m=42
